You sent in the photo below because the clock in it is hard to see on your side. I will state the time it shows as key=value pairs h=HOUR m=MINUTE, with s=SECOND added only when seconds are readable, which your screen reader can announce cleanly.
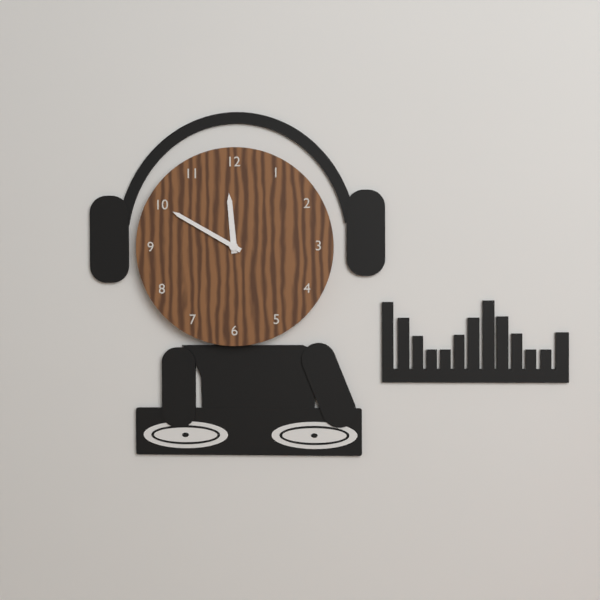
h=11 m=50
